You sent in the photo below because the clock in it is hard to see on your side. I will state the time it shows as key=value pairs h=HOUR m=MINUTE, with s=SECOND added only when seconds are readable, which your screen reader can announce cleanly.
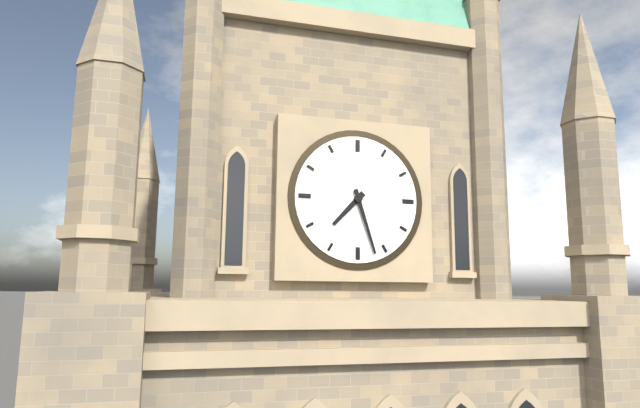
h=7 m=27
